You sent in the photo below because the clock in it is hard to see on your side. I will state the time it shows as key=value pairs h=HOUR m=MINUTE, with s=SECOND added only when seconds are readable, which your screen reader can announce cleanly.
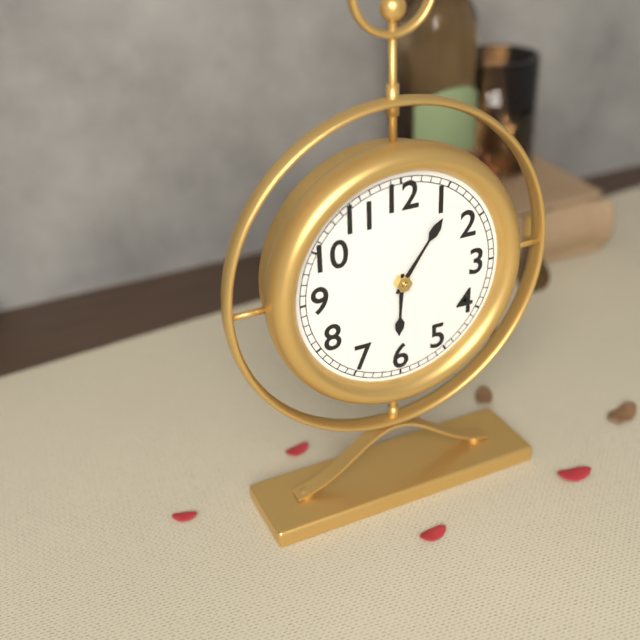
h=6 m=6
